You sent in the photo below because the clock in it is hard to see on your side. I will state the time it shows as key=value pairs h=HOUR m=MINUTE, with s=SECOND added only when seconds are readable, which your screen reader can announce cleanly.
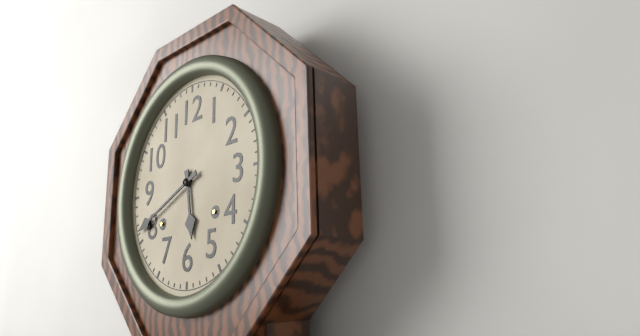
h=5 m=41
